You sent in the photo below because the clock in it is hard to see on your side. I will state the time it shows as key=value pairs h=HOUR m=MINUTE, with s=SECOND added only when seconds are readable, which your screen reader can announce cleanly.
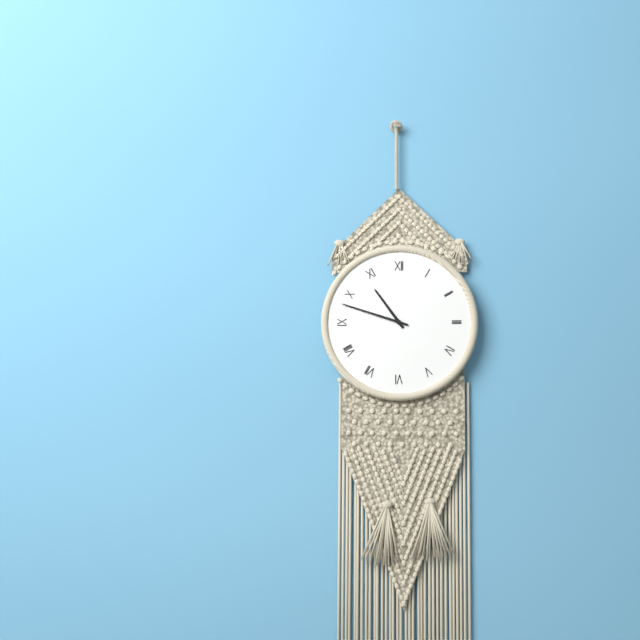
h=10 m=48
